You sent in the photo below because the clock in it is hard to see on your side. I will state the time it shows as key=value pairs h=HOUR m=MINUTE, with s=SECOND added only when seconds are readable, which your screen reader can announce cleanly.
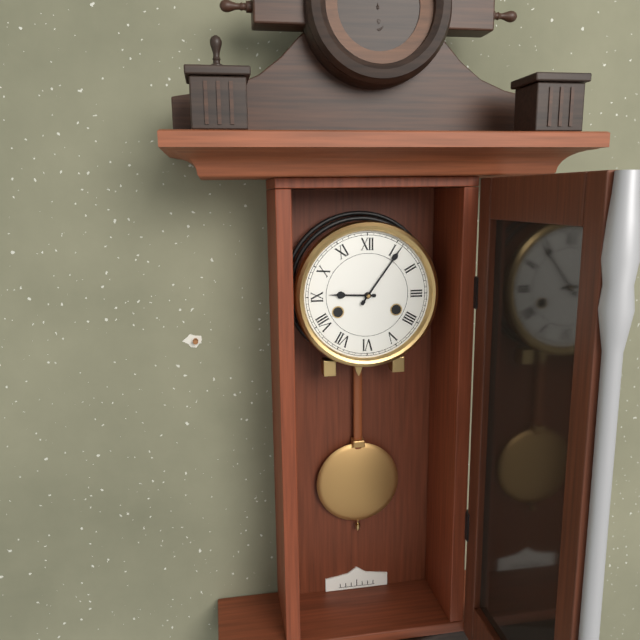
h=9 m=6
